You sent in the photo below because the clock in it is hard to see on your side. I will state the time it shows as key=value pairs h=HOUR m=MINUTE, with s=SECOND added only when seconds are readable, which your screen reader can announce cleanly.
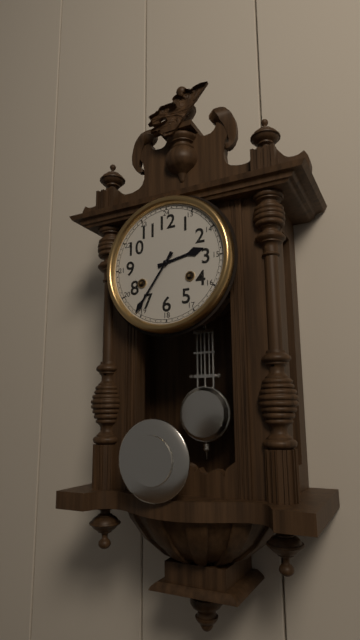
h=2 m=36
